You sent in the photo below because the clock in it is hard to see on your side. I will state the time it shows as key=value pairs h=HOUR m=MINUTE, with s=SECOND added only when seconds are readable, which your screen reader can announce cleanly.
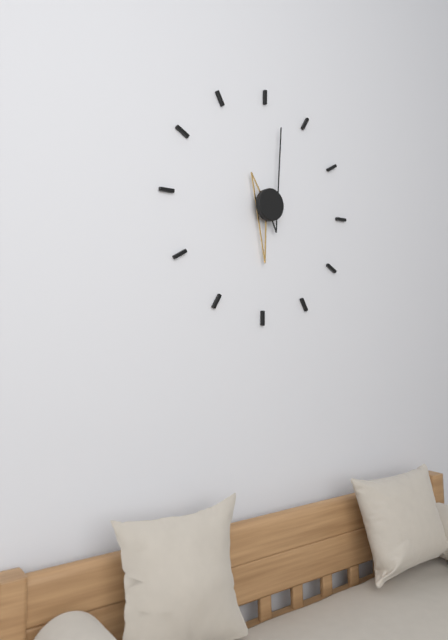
h=6 m=2
